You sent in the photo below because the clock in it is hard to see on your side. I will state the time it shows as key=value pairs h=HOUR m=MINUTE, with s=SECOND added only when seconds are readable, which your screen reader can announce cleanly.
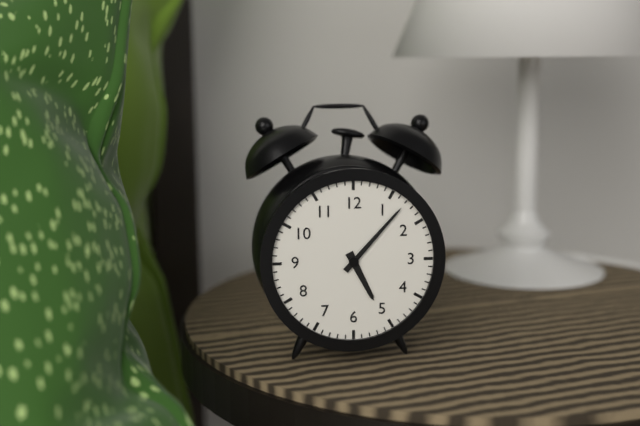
h=5 m=7
